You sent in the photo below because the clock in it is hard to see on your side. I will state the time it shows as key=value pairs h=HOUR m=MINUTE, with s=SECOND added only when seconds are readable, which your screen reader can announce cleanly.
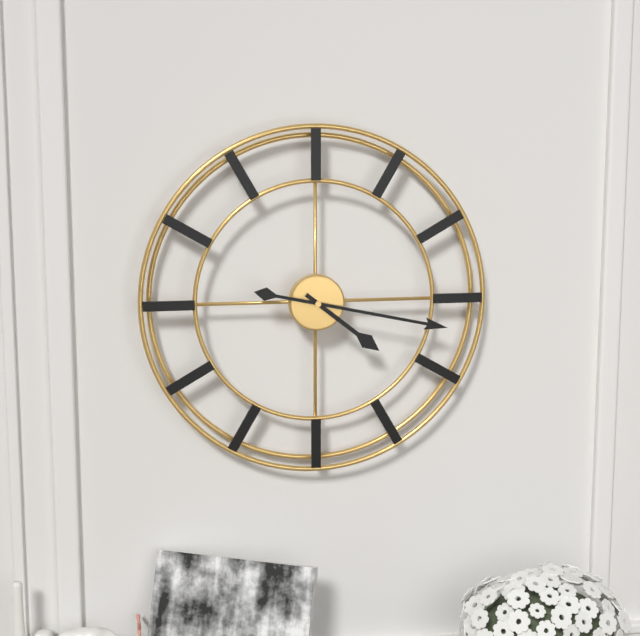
h=4 m=17
